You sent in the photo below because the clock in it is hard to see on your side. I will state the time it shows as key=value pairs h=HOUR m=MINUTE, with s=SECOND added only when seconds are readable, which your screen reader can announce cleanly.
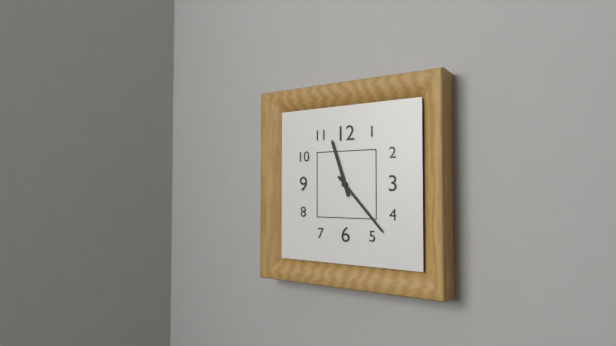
h=11 m=23
